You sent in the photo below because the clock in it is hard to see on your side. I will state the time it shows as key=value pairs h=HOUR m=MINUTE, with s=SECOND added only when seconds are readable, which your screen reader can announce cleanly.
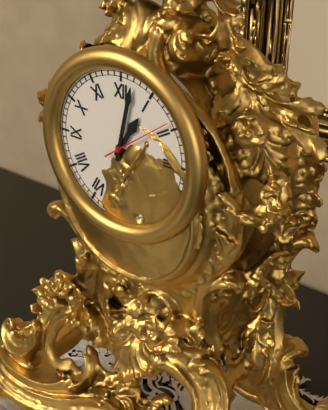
h=1 m=2 s=9
